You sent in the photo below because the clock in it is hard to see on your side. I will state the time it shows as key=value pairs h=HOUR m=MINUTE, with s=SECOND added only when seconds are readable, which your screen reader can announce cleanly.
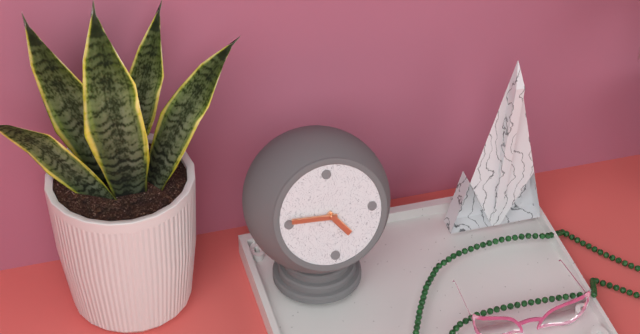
h=4 m=46
